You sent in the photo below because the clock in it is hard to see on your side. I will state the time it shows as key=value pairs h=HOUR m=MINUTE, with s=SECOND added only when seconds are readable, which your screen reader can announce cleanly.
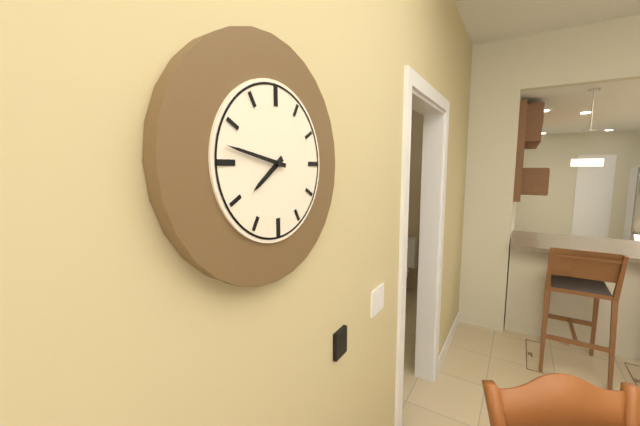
h=7 m=47
